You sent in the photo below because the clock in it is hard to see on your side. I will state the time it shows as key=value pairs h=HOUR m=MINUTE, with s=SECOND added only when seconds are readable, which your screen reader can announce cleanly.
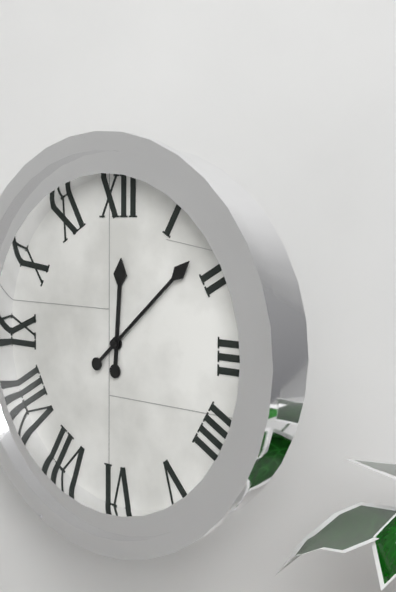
h=12 m=8
